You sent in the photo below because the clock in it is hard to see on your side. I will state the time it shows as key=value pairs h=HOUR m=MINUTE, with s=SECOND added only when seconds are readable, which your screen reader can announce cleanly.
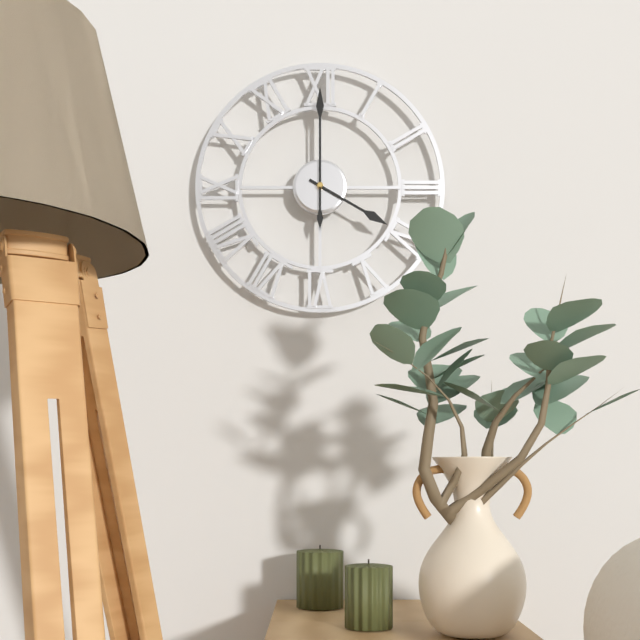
h=4 m=0
